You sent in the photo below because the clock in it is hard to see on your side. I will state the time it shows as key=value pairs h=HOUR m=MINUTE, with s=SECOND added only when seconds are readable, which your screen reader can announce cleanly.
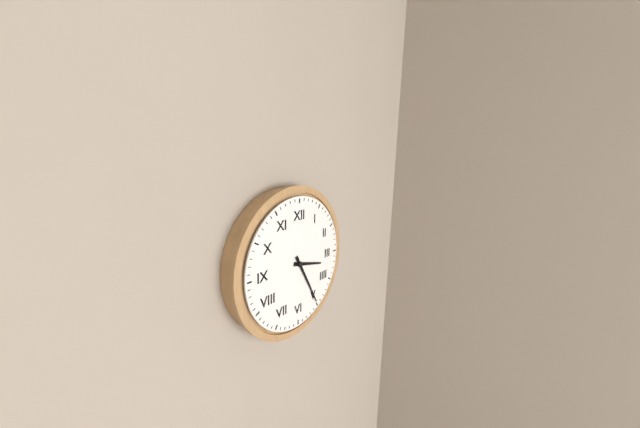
h=3 m=25
